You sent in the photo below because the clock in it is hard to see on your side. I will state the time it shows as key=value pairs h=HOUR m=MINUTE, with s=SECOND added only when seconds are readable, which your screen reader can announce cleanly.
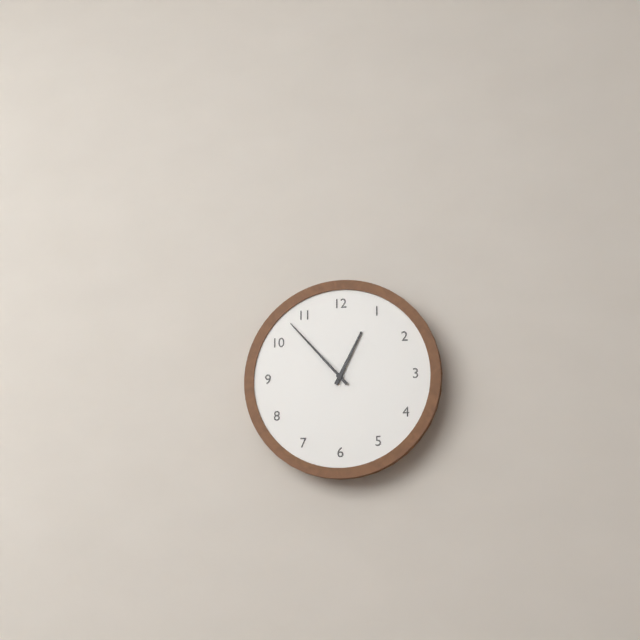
h=12 m=53
